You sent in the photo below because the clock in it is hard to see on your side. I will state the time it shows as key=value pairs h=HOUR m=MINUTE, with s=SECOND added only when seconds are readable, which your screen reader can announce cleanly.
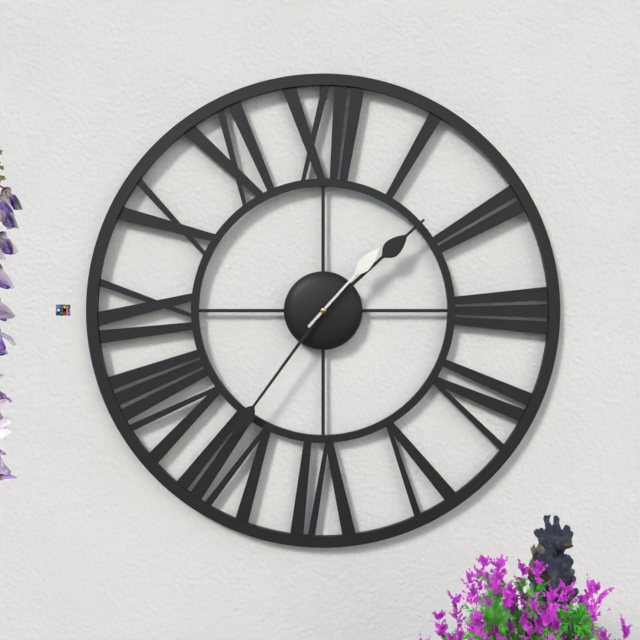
h=1 m=36 s=7
